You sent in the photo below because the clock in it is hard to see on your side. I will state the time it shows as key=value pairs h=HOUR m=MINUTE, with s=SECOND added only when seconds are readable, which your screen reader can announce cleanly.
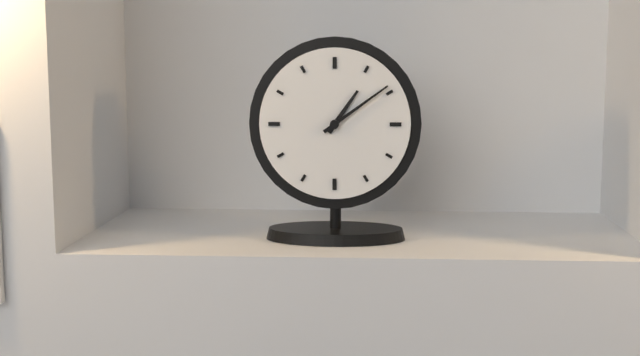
h=1 m=9
